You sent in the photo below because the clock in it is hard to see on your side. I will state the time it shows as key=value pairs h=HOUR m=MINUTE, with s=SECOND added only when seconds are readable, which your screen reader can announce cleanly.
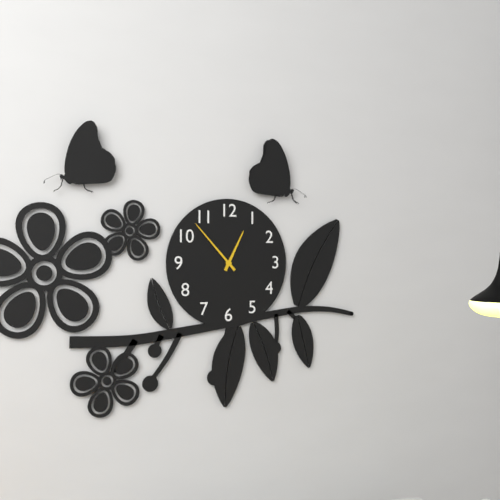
h=12 m=53
